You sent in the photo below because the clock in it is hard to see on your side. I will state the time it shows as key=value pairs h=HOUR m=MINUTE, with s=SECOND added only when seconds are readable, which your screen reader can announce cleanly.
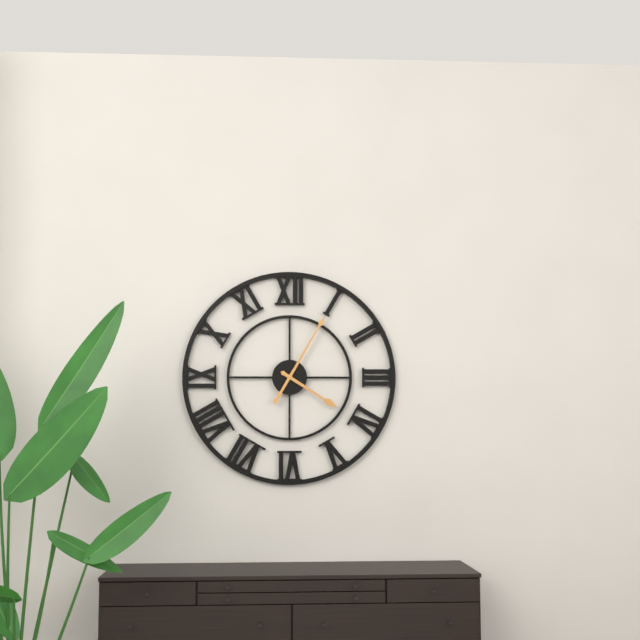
h=4 m=5
